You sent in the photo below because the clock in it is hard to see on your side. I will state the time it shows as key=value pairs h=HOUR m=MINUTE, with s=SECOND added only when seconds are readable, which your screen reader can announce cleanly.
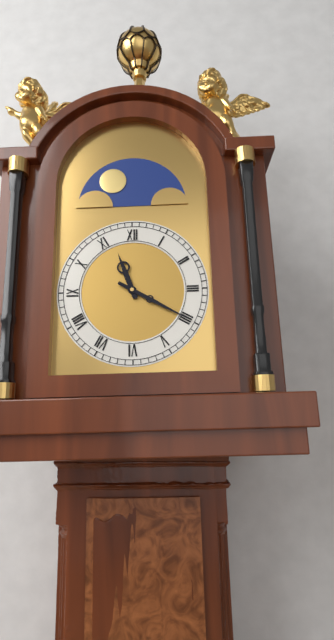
h=11 m=20
